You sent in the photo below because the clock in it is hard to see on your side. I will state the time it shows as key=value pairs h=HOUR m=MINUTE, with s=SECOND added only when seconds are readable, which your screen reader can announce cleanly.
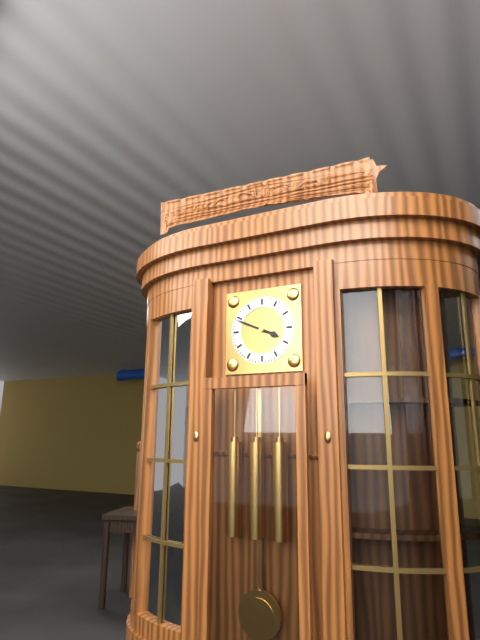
h=3 m=49
